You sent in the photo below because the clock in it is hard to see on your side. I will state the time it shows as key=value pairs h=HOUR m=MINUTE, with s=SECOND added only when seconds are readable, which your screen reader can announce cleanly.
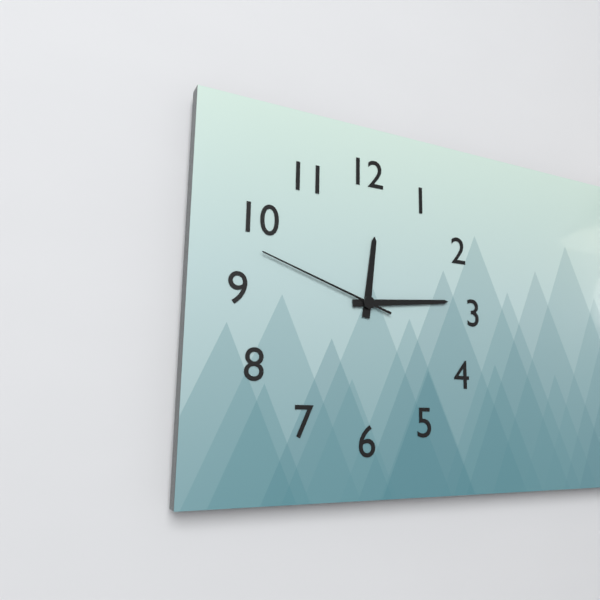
h=12 m=14 s=48
